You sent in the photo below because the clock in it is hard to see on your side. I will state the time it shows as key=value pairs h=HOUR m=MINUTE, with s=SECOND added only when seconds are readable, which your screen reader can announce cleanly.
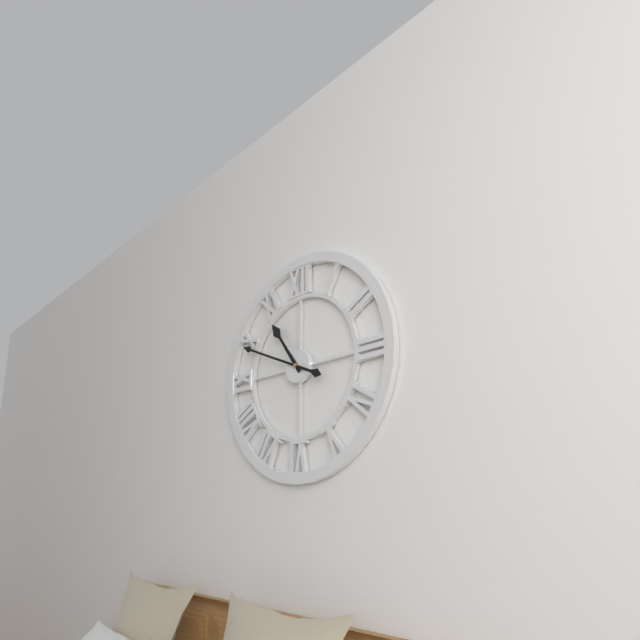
h=10 m=49
